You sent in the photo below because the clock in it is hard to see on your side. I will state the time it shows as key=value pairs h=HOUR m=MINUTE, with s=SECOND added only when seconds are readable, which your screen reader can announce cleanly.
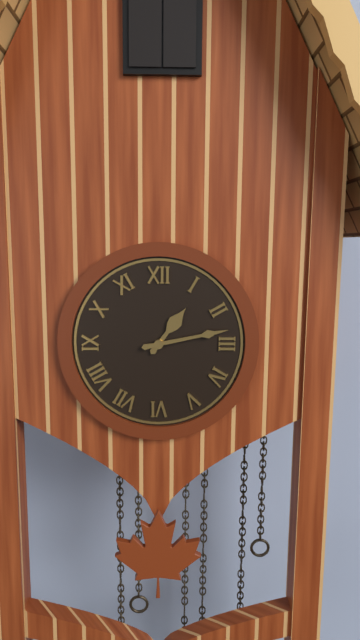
h=1 m=13
